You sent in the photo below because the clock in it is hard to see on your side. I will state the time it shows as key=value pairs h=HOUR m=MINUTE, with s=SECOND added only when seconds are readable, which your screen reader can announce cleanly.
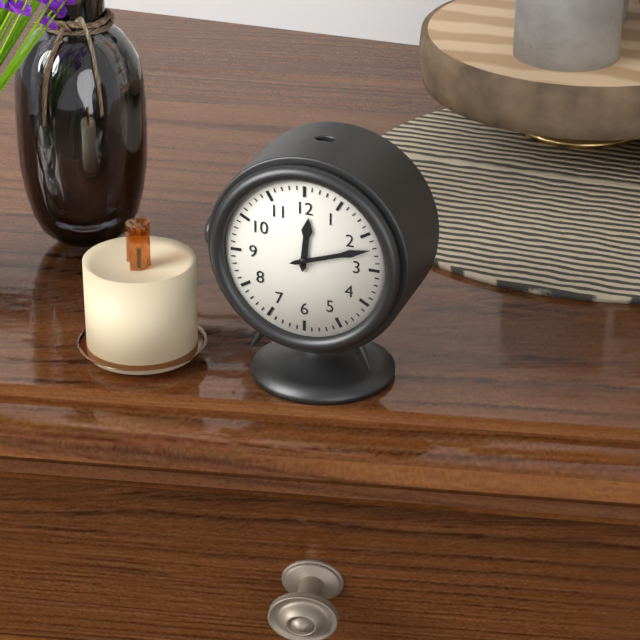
h=12 m=12
